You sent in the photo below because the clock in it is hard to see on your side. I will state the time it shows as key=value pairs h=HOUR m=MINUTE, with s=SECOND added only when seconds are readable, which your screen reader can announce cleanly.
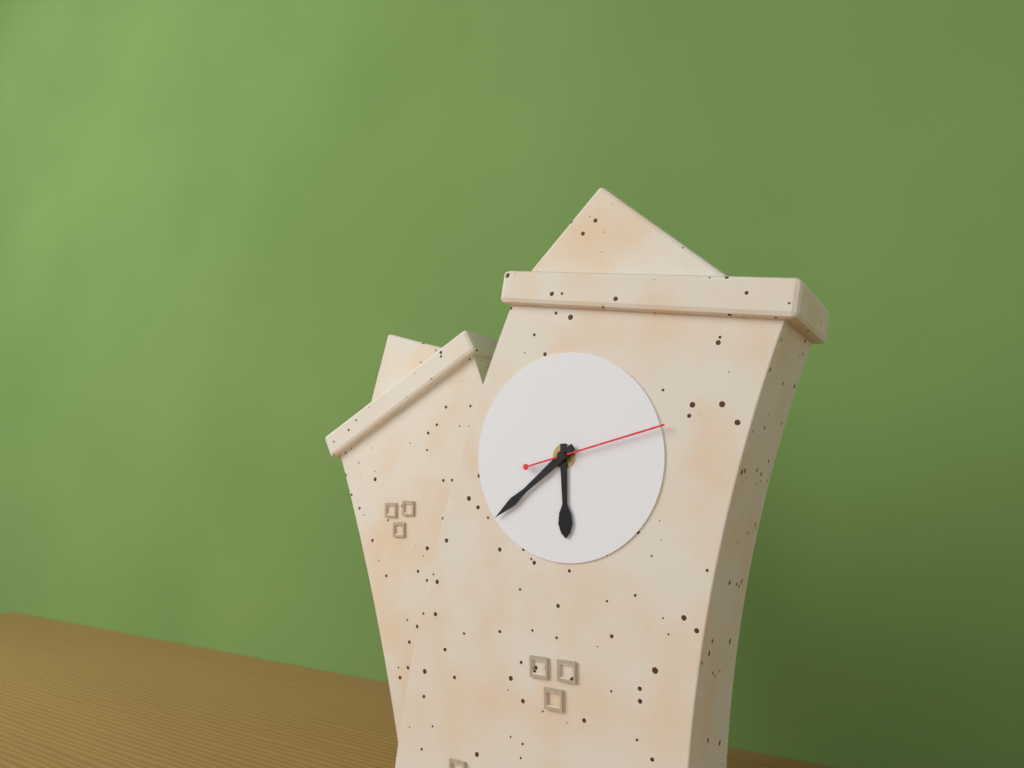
h=5 m=37 s=11
